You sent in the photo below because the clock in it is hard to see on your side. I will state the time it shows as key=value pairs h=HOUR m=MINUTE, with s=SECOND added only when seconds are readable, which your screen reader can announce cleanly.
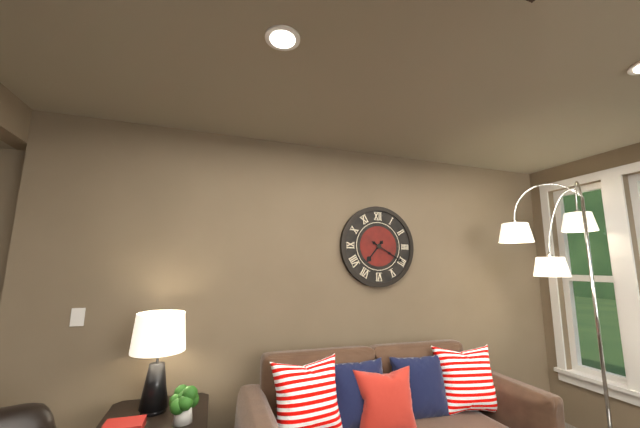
h=7 m=20
